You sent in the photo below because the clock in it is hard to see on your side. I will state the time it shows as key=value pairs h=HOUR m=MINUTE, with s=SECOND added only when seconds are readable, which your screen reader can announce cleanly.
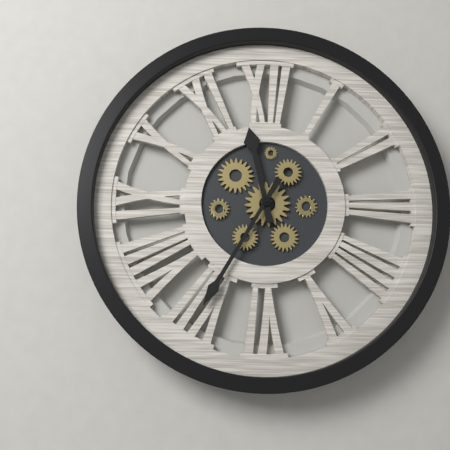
h=11 m=35
